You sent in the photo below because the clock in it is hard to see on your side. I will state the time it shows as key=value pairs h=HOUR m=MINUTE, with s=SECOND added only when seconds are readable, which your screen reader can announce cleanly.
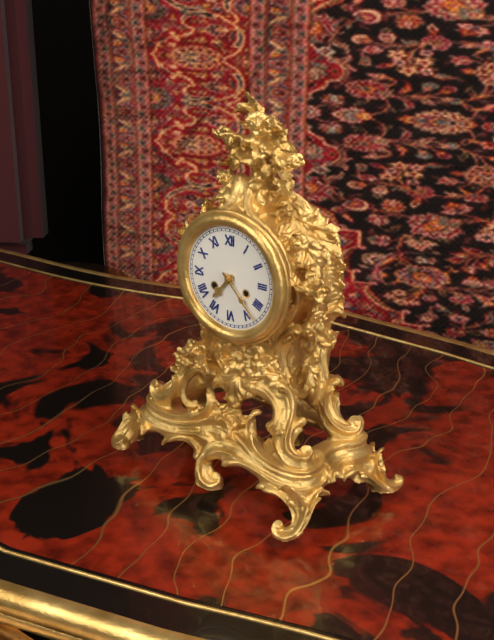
h=7 m=23
